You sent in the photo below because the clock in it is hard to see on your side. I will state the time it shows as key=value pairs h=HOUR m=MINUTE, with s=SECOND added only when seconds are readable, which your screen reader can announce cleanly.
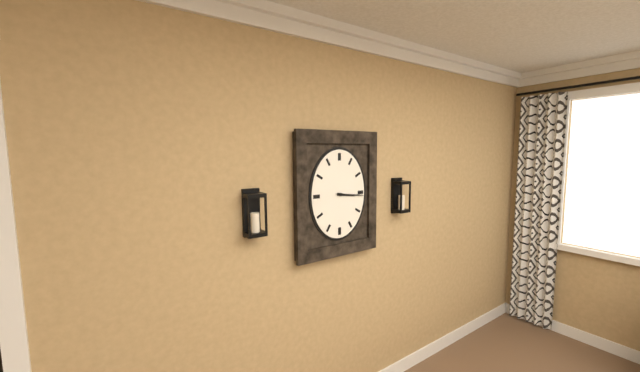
h=3 m=16
